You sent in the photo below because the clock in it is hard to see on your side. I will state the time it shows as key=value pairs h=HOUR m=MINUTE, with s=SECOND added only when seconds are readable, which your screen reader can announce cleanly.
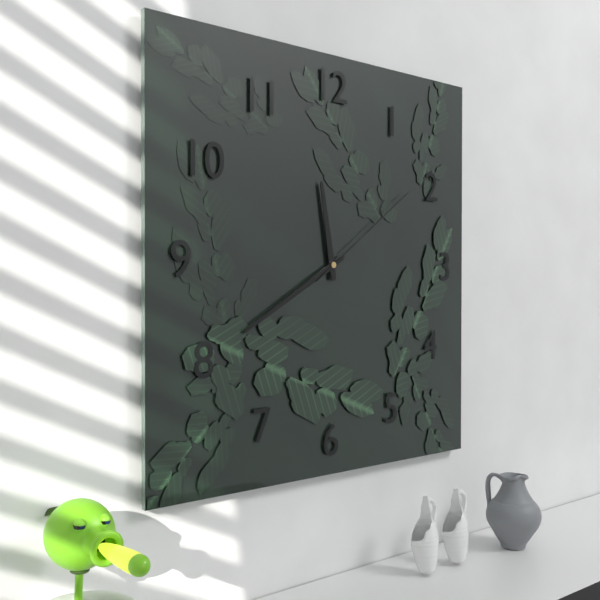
h=11 m=40 s=9
